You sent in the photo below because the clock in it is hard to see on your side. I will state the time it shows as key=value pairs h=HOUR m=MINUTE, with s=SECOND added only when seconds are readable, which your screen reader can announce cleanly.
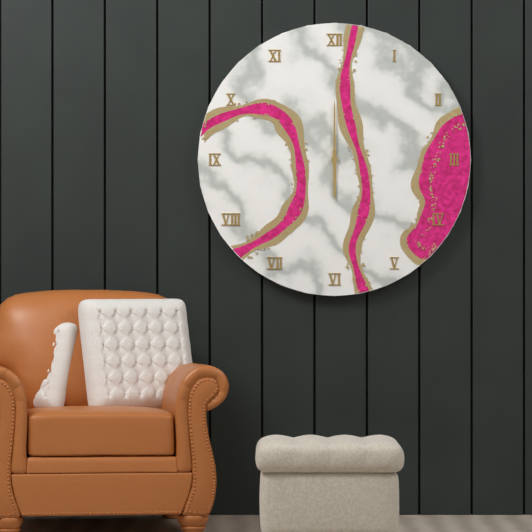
h=6 m=0
